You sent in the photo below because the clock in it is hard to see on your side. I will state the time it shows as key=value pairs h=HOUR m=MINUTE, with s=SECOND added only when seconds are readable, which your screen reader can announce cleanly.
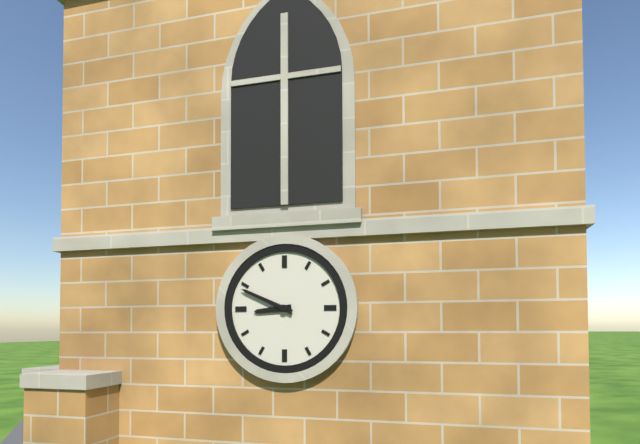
h=8 m=49
